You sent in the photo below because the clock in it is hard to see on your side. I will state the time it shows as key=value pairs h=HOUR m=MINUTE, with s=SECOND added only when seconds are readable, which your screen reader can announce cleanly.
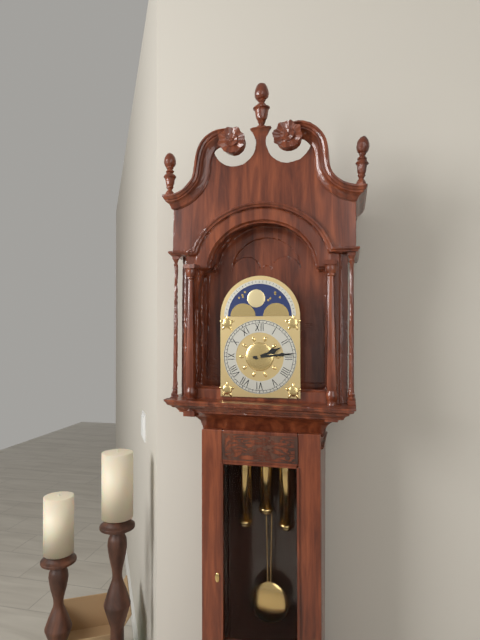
h=2 m=14
